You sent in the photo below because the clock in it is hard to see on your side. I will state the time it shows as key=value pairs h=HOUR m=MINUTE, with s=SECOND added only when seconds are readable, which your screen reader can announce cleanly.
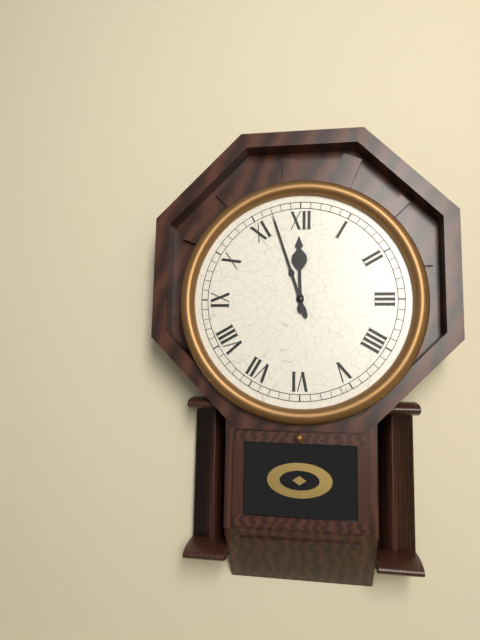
h=11 m=57
